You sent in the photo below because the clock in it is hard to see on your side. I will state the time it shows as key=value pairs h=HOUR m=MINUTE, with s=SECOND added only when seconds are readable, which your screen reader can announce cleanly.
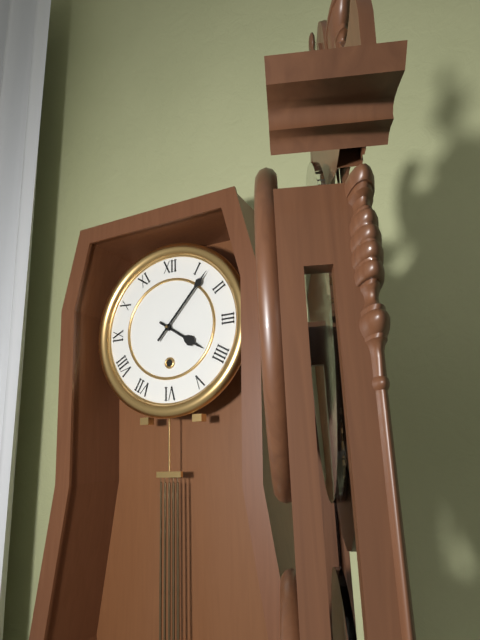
h=4 m=7
